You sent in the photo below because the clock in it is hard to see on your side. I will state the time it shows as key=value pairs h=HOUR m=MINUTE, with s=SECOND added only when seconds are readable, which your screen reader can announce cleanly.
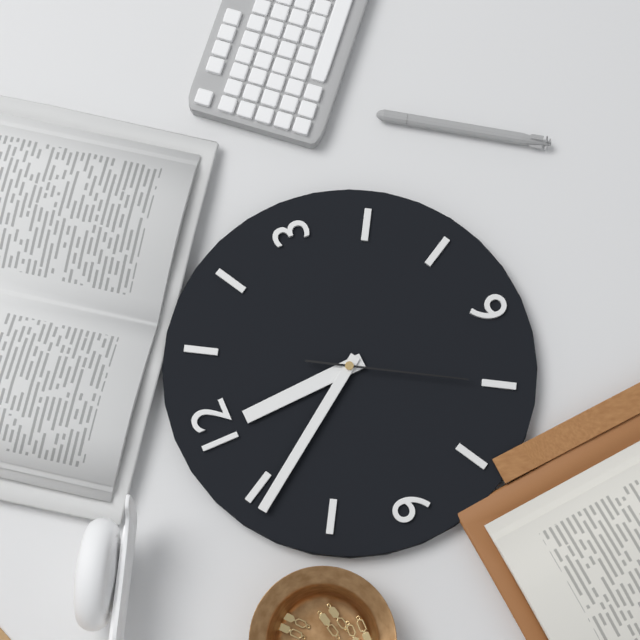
h=11 m=54 s=35
